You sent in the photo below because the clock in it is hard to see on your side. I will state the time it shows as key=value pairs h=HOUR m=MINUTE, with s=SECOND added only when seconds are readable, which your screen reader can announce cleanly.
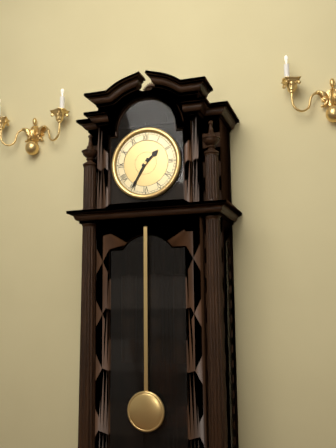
h=1 m=35
